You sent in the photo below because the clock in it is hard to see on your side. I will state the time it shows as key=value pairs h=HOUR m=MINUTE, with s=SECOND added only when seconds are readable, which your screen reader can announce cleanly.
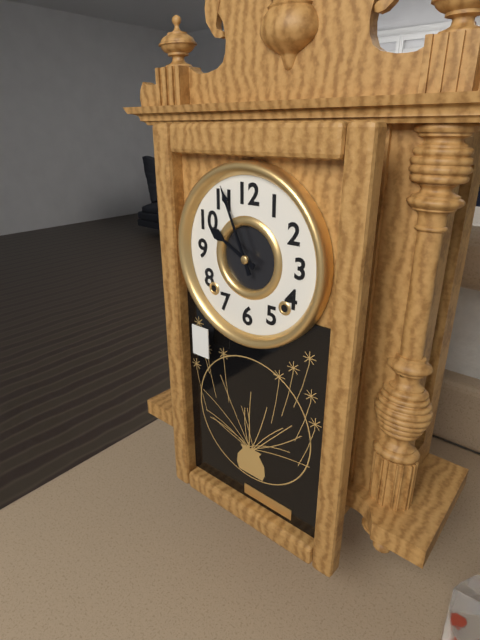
h=9 m=56
